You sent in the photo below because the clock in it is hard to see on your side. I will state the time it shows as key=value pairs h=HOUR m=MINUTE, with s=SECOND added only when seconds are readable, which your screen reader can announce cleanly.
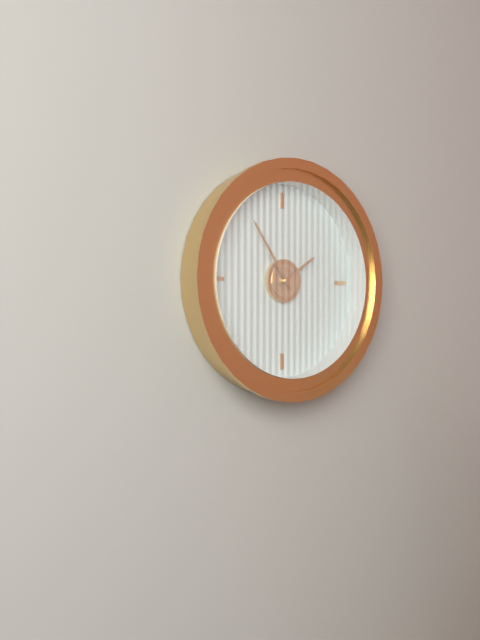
h=1 m=54
